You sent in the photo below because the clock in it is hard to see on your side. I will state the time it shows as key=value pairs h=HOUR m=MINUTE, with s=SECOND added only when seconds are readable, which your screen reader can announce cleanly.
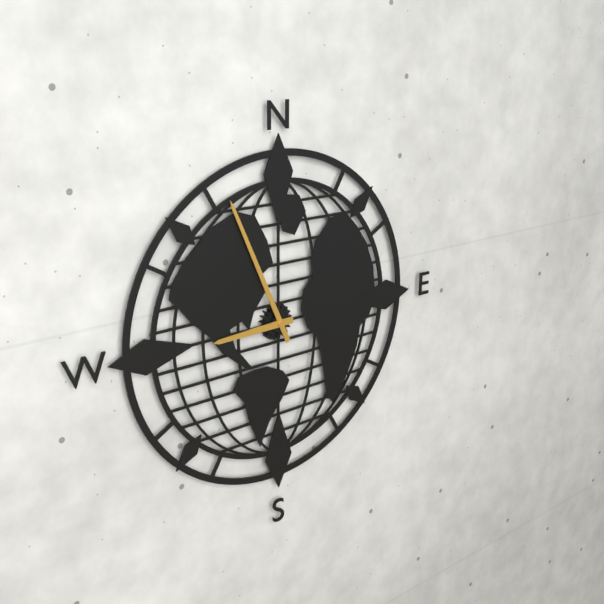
h=8 m=56
